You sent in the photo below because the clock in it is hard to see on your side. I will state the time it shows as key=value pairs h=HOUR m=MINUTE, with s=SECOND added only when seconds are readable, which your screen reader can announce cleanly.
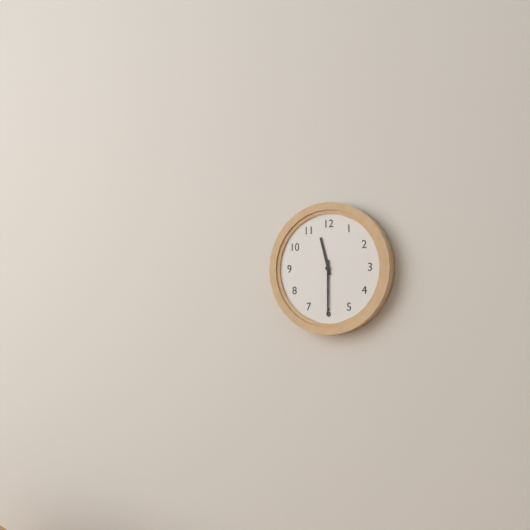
h=11 m=30
